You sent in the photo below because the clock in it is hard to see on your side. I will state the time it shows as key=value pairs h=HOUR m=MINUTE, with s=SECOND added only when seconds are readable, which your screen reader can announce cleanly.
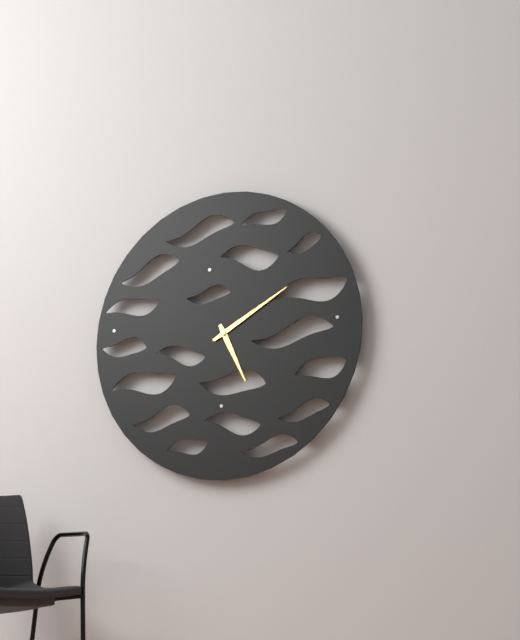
h=5 m=10
